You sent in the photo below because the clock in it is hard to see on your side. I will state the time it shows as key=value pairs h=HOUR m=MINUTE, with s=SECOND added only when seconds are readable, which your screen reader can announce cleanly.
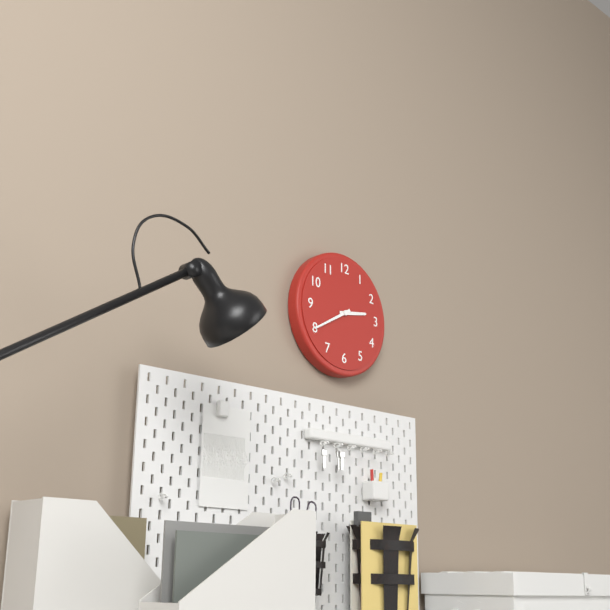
h=2 m=40
